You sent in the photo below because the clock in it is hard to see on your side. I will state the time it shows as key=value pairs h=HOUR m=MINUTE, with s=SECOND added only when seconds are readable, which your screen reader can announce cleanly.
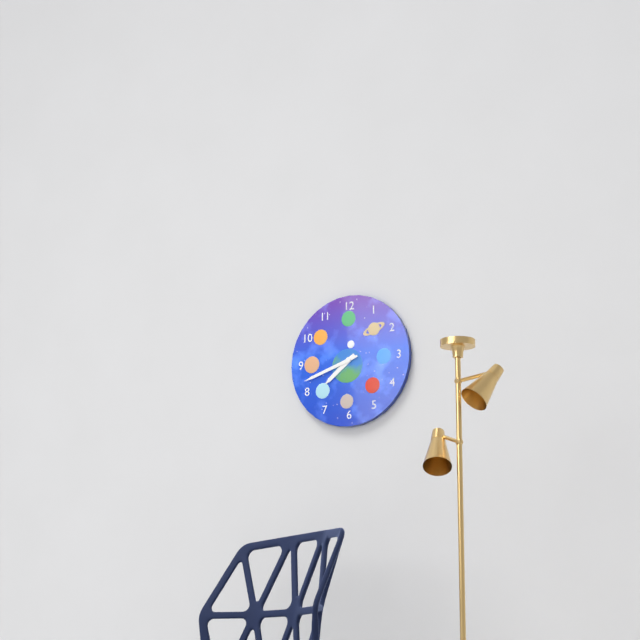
h=7 m=42
